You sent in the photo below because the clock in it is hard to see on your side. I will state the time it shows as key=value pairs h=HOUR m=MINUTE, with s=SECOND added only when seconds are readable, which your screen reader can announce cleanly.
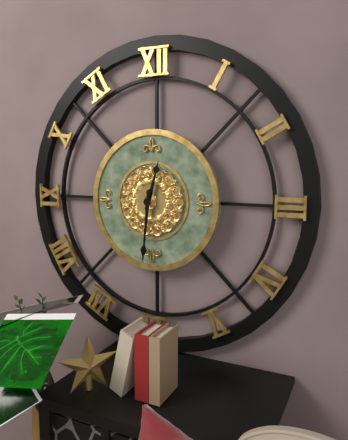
h=12 m=31
